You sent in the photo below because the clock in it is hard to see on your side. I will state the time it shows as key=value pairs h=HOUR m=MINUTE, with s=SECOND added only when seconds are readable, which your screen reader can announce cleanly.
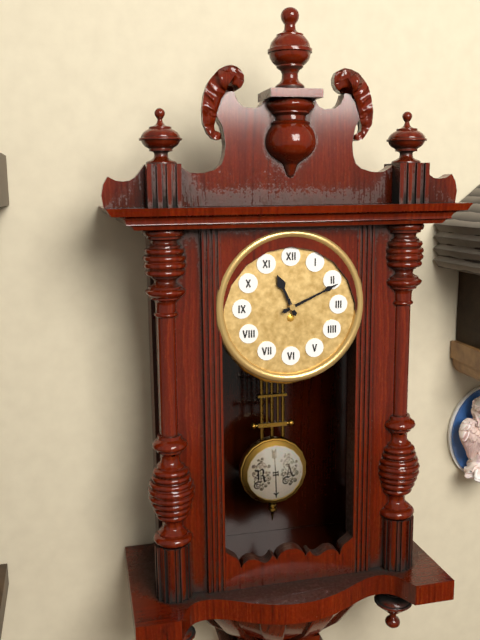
h=11 m=11
